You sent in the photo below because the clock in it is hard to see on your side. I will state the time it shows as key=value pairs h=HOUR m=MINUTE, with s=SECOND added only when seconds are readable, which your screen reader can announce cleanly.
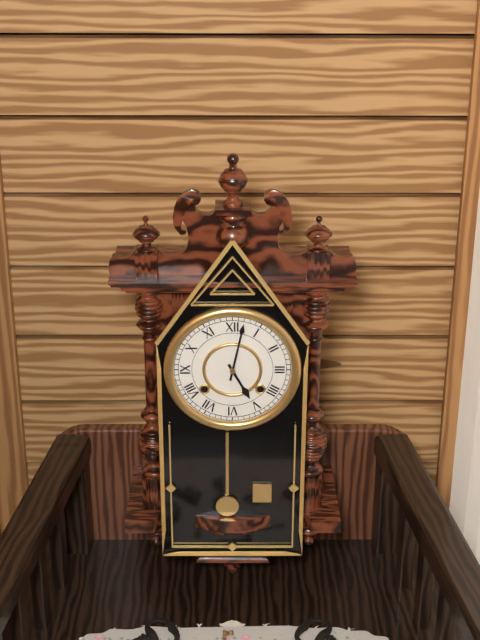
h=5 m=2
